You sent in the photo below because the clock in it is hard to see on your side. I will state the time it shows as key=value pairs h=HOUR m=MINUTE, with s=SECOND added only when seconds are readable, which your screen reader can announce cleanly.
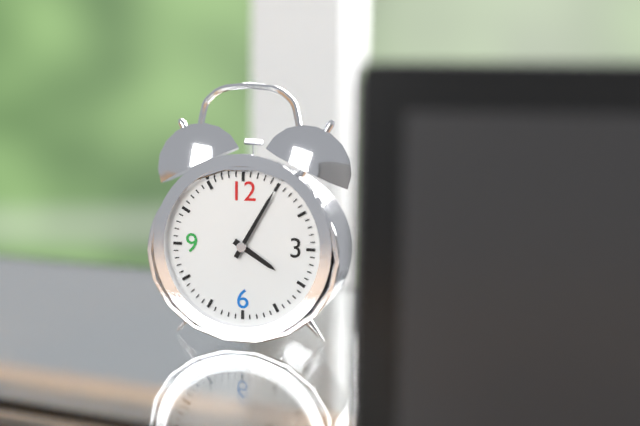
h=4 m=5
